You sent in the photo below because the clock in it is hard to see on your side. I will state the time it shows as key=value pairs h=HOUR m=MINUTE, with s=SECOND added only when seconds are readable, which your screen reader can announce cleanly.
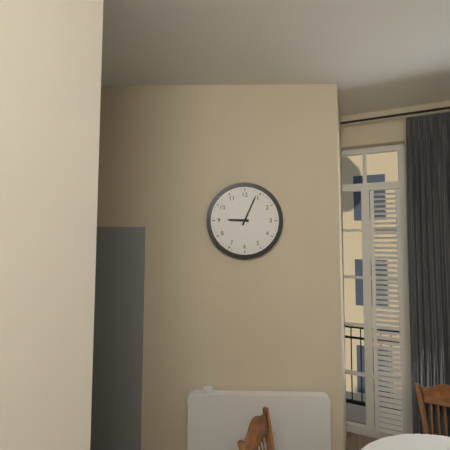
h=9 m=4
